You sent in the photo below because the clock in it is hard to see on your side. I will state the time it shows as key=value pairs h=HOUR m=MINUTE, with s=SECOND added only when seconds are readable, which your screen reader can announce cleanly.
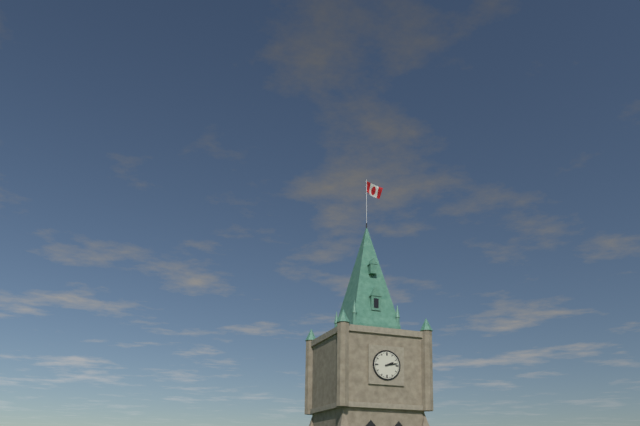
h=2 m=13
